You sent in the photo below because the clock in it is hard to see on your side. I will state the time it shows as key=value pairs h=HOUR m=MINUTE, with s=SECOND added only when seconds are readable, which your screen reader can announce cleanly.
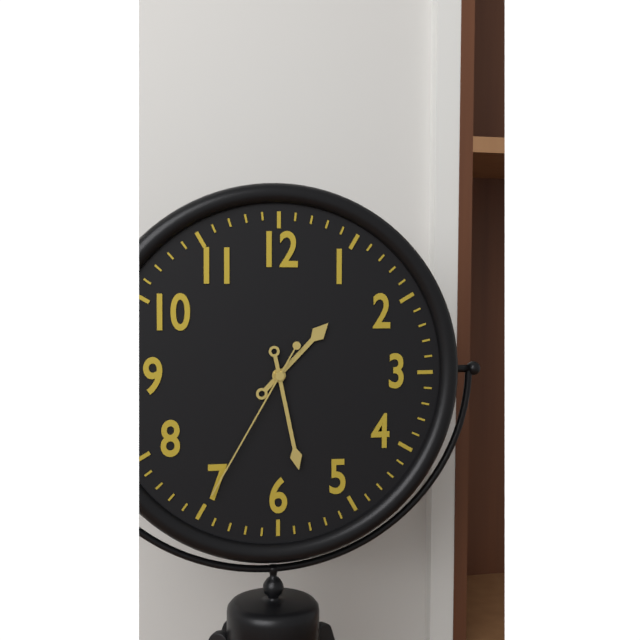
h=1 m=28 s=35
